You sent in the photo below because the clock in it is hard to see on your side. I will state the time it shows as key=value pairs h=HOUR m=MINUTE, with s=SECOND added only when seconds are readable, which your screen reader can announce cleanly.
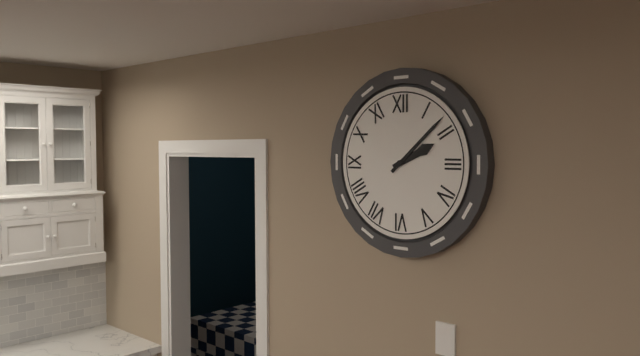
h=2 m=8
